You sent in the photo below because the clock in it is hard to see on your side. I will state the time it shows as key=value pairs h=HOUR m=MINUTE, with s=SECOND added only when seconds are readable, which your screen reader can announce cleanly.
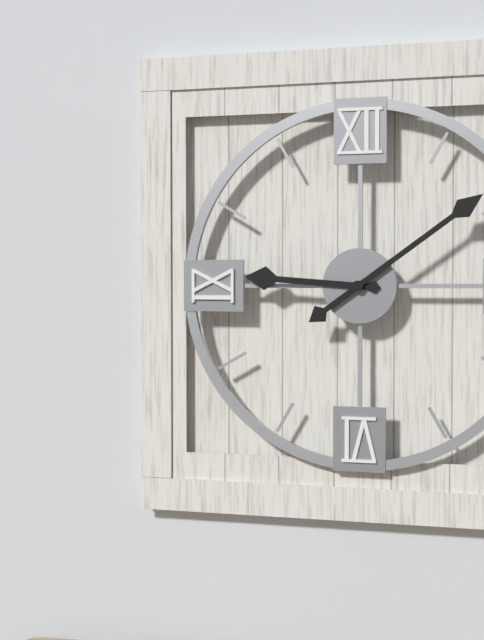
h=9 m=9
